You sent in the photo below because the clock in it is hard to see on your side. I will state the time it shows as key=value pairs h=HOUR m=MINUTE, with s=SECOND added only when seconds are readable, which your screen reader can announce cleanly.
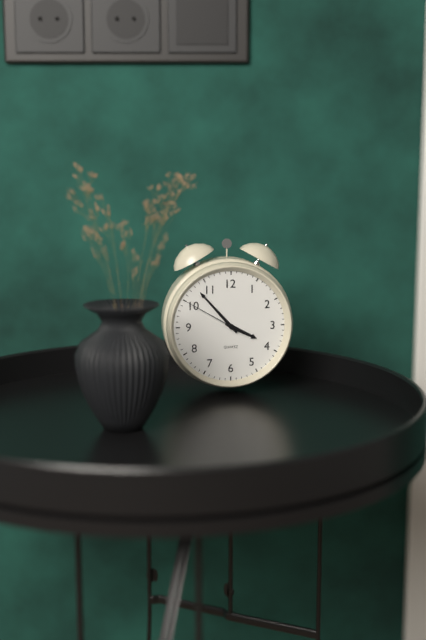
h=3 m=53 s=50
